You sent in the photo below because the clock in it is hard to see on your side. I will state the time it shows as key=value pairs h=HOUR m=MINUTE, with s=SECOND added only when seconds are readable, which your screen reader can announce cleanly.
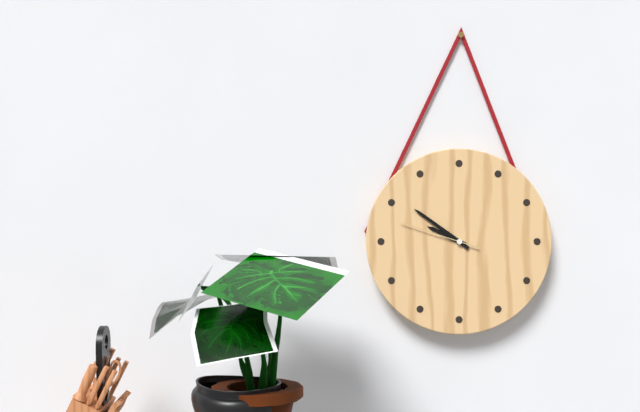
h=9 m=51 s=48
